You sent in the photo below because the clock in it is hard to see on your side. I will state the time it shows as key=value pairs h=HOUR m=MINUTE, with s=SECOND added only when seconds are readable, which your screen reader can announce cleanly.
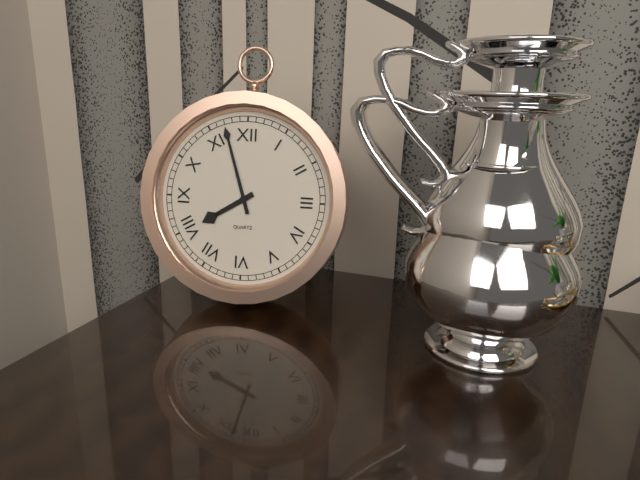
h=7 m=57
